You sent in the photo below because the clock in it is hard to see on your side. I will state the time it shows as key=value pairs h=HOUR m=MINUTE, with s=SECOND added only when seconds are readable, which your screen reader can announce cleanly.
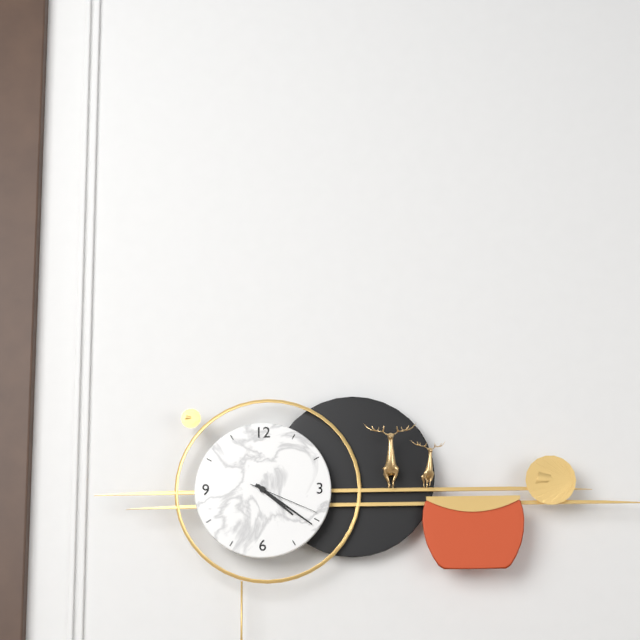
h=4 m=21 s=19
